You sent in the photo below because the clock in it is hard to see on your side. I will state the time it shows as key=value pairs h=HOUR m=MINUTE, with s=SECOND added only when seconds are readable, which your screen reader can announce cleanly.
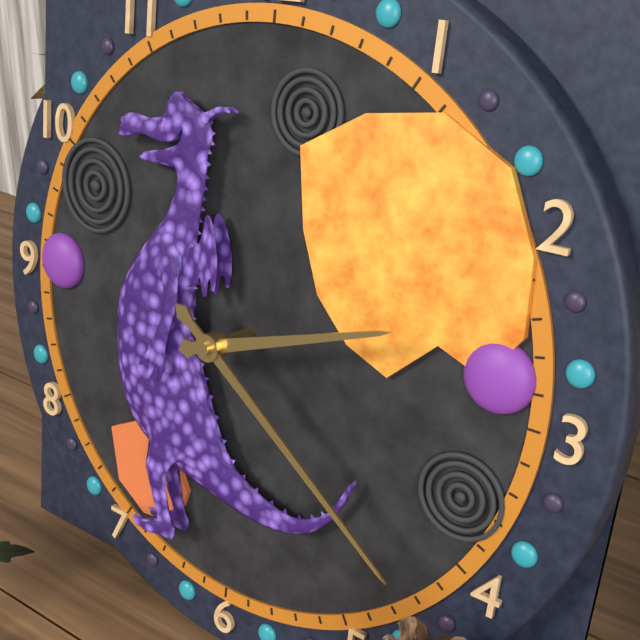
h=2 m=21
